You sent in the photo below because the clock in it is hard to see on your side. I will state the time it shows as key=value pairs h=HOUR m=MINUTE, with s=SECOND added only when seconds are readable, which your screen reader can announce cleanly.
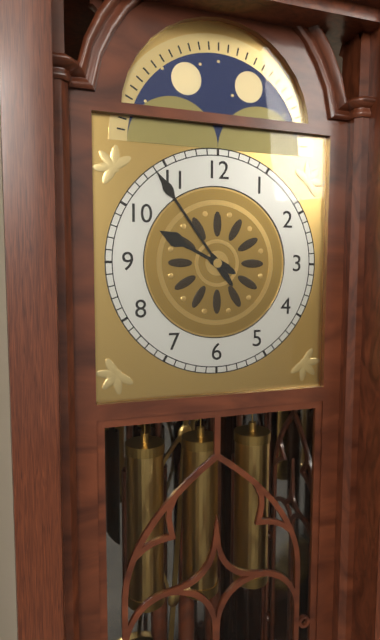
h=9 m=54
